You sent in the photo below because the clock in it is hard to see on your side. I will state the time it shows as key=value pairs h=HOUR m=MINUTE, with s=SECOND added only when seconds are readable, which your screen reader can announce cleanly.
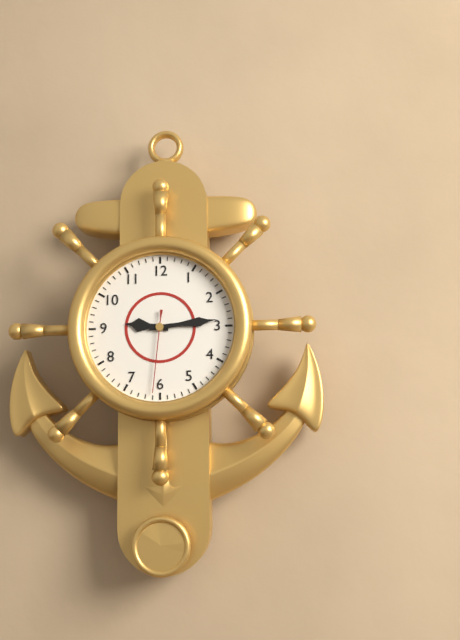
h=9 m=14 s=31
